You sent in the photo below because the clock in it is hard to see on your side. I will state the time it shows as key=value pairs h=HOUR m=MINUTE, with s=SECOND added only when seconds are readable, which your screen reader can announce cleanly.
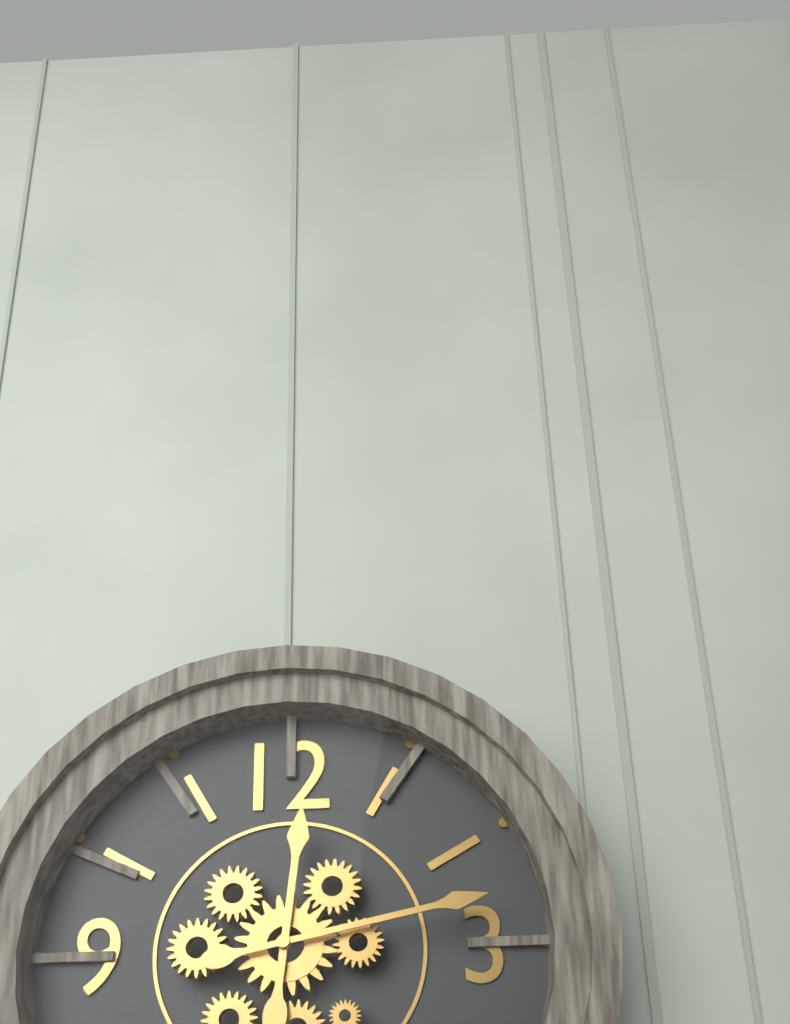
h=12 m=13
